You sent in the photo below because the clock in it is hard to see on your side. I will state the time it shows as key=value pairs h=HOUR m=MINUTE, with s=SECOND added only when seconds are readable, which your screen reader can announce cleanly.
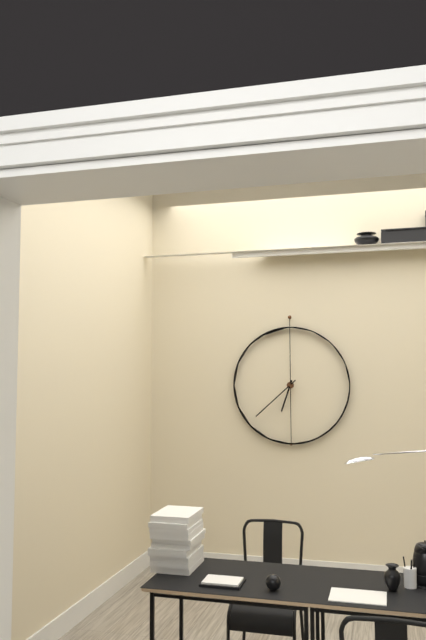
h=6 m=38
